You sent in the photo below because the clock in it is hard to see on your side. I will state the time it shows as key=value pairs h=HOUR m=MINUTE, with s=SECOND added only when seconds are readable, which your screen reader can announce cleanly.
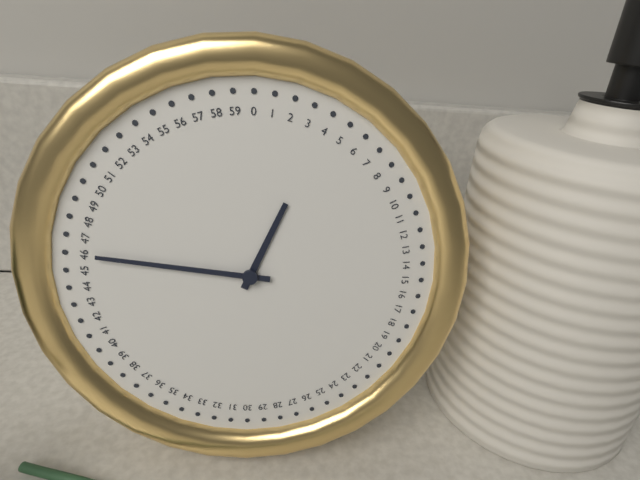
h=12 m=46
